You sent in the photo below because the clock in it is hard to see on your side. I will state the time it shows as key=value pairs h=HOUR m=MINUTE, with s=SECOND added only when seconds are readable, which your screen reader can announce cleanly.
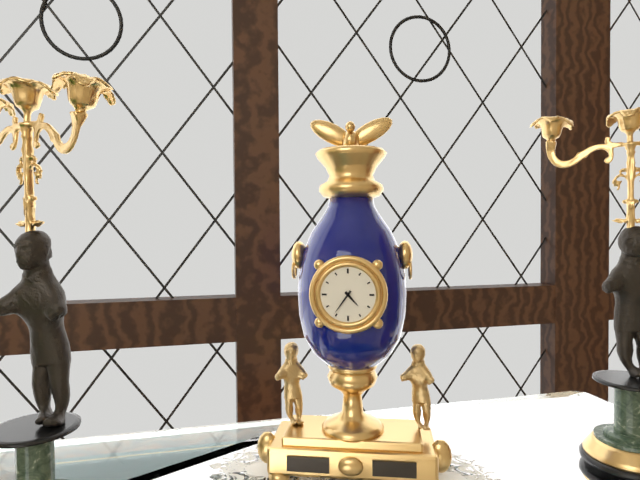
h=4 m=36
